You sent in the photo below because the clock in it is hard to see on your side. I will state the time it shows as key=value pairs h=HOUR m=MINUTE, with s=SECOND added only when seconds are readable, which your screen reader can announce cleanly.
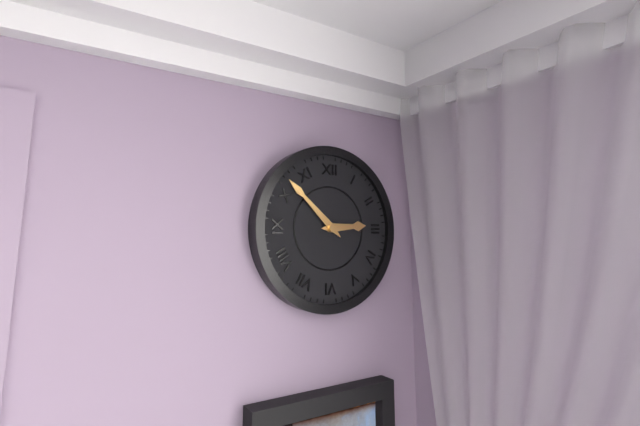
h=2 m=52
